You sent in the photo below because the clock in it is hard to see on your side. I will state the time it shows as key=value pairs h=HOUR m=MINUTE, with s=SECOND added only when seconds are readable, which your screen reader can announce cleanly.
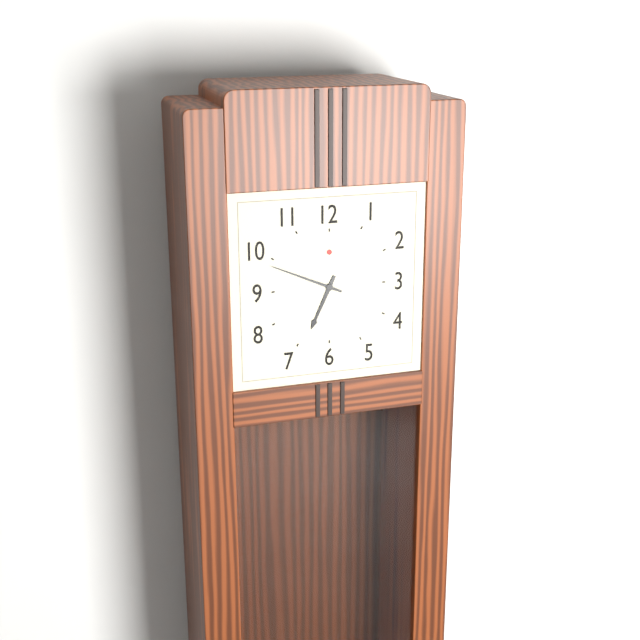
h=6 m=49
